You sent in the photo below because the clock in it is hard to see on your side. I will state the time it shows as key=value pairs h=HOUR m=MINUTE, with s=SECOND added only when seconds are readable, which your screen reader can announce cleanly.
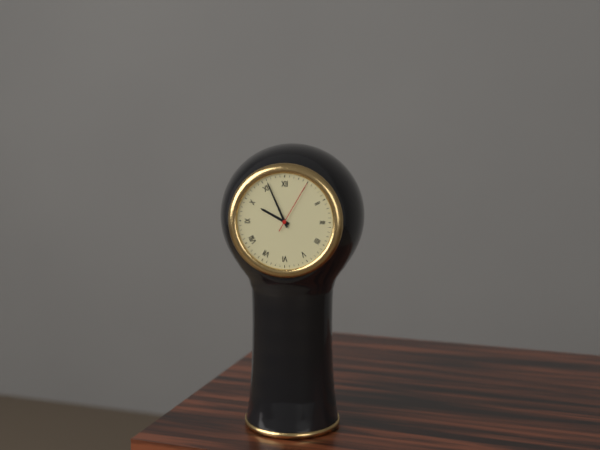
h=9 m=56 s=5
